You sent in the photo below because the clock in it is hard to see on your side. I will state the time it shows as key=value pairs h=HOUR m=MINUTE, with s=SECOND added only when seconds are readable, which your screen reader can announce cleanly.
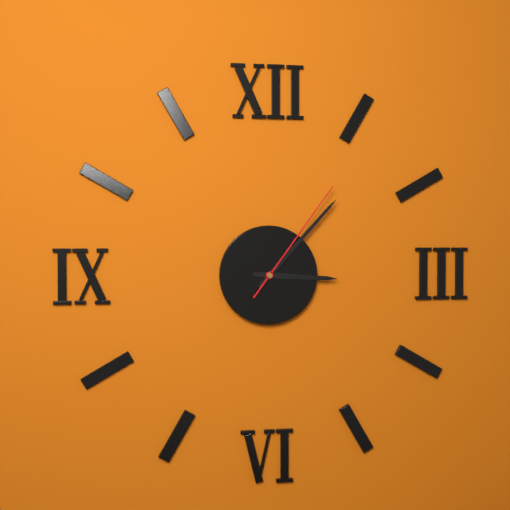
h=3 m=7 s=6
